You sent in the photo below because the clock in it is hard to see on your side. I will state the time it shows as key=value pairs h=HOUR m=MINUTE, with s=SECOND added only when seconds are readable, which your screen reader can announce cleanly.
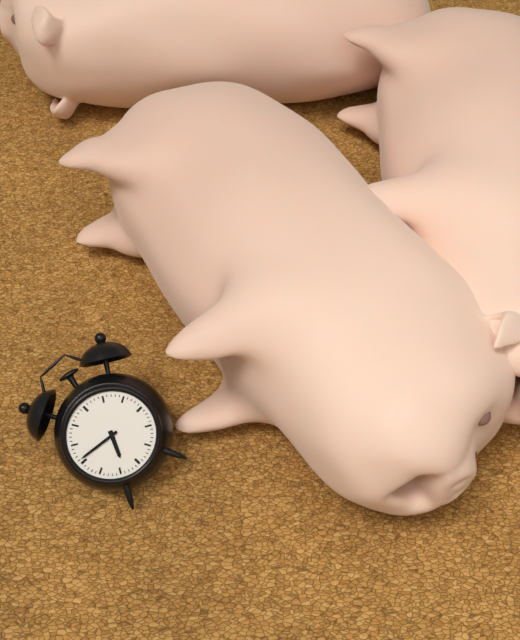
h=6 m=46
